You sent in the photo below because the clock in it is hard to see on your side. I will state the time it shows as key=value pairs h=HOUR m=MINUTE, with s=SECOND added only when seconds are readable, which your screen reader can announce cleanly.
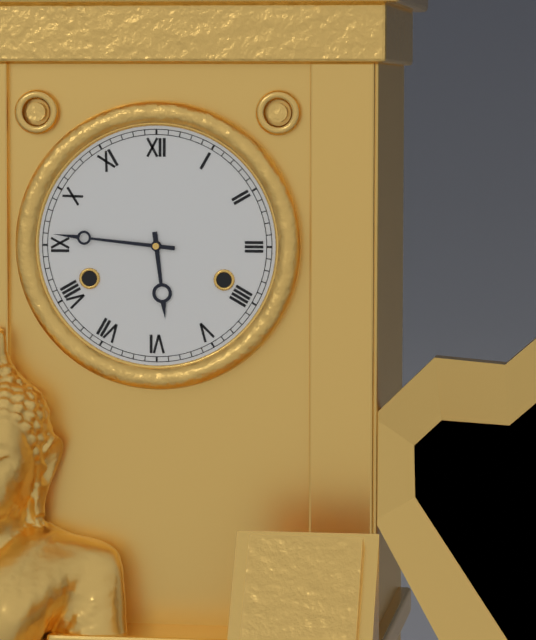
h=5 m=46
